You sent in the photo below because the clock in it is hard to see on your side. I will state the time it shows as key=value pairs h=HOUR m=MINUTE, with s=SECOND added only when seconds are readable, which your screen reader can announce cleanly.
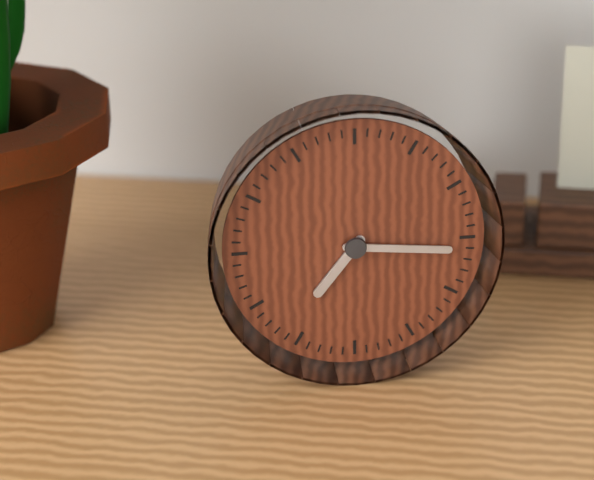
h=7 m=16
